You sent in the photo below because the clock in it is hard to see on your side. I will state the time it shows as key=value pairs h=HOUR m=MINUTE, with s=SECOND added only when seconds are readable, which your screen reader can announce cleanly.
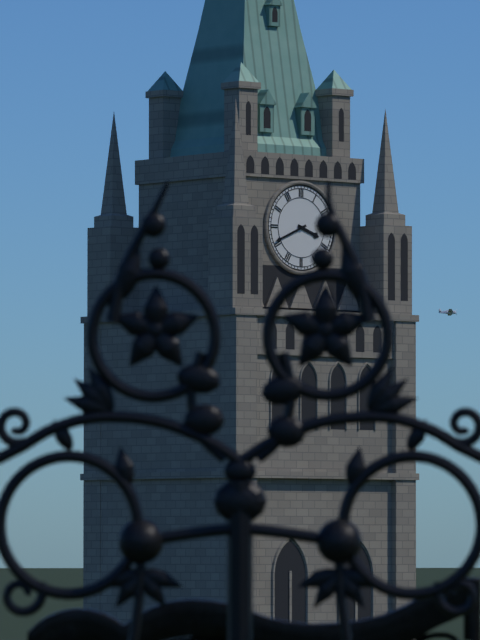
h=3 m=41
